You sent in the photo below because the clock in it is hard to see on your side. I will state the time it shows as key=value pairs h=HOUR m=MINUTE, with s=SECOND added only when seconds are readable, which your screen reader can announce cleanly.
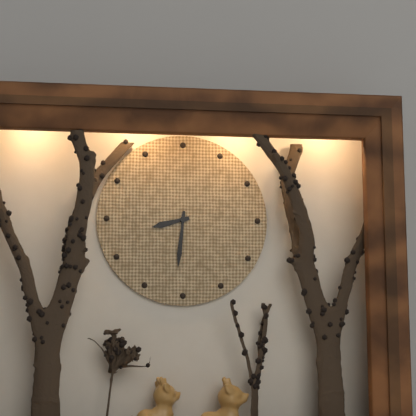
h=8 m=31
